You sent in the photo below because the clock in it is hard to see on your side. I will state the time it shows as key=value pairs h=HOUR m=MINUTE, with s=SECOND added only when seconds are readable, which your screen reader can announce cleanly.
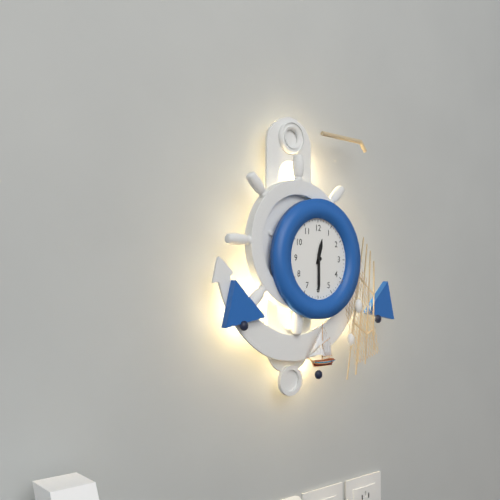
h=12 m=30
